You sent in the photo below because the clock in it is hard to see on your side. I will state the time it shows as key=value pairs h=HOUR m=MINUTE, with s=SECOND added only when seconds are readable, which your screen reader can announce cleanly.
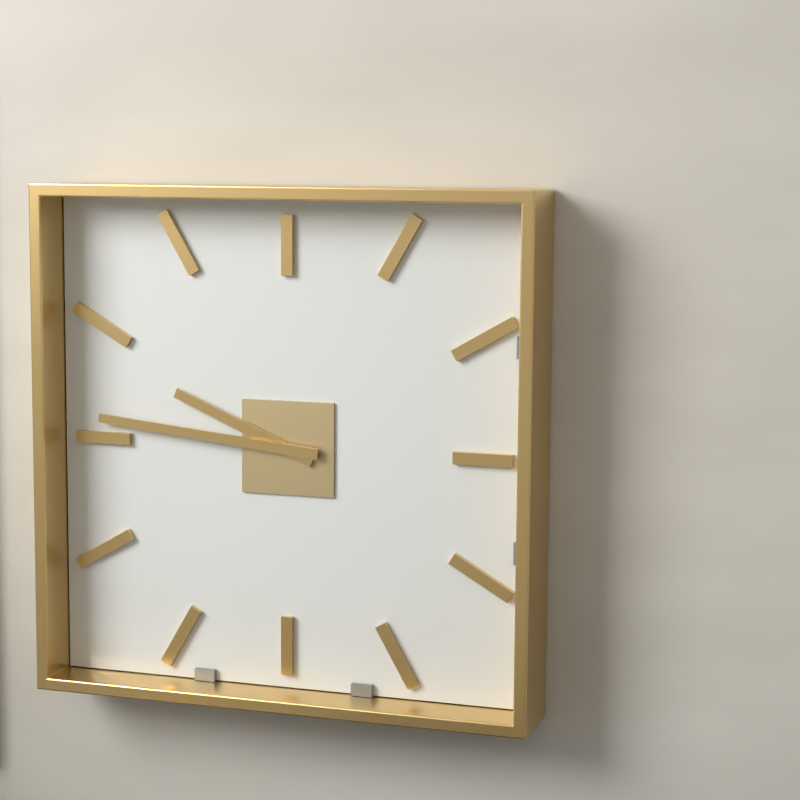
h=9 m=46
